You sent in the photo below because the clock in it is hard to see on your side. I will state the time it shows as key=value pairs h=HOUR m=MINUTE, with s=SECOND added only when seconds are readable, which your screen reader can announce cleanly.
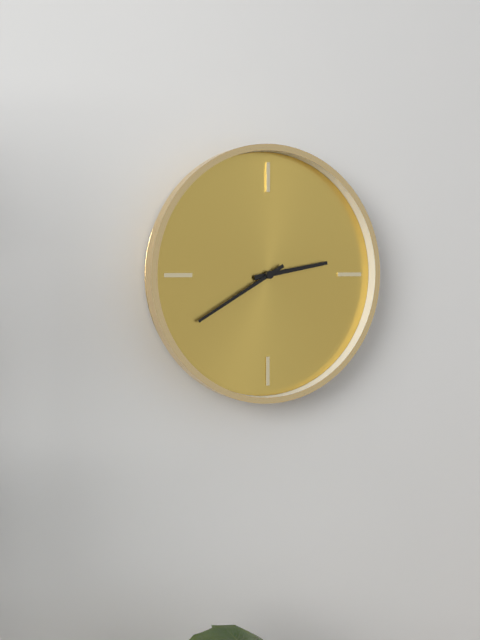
h=2 m=40
